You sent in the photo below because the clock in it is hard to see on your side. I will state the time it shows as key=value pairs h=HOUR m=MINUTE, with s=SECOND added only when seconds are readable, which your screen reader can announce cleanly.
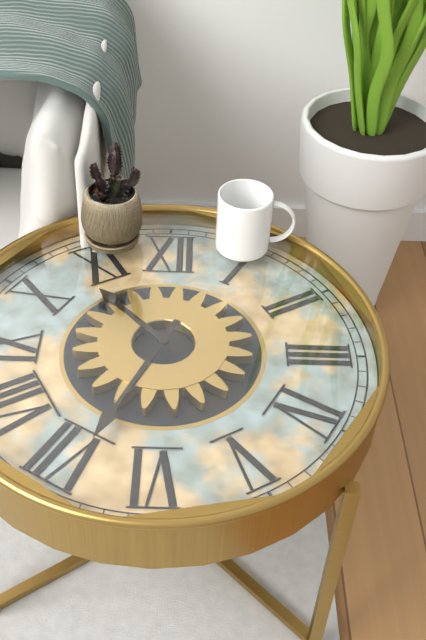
h=10 m=34
